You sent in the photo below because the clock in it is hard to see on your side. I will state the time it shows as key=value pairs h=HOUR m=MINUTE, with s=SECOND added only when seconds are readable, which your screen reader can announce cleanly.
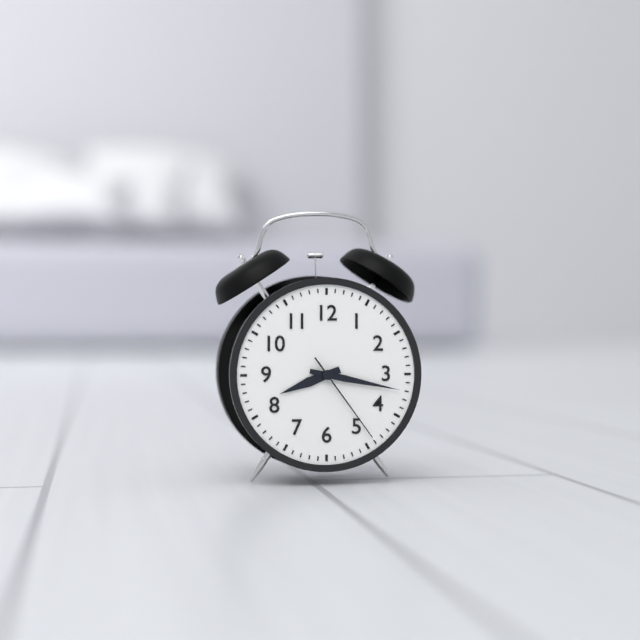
h=8 m=17 s=24
